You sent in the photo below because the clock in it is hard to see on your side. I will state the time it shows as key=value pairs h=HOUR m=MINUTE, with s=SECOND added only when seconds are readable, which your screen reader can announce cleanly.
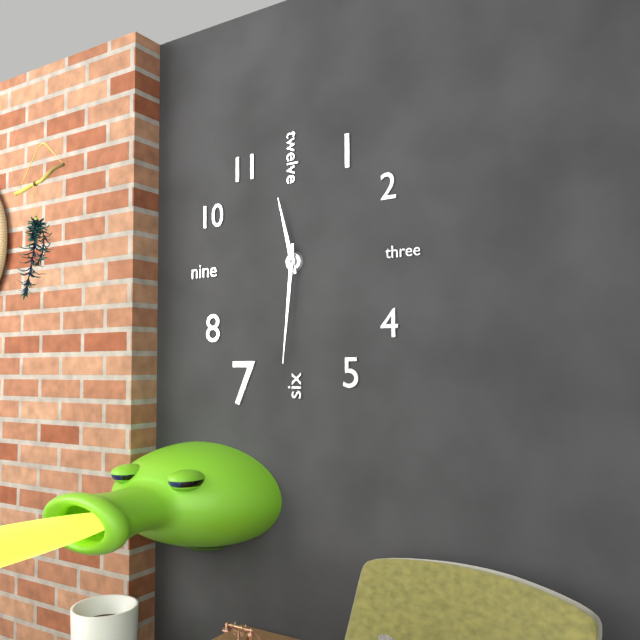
h=11 m=31
